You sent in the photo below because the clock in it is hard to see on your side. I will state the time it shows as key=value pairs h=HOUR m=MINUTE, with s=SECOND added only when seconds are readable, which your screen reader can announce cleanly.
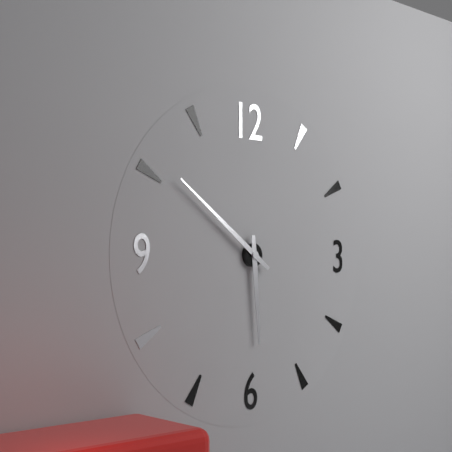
h=5 m=51
